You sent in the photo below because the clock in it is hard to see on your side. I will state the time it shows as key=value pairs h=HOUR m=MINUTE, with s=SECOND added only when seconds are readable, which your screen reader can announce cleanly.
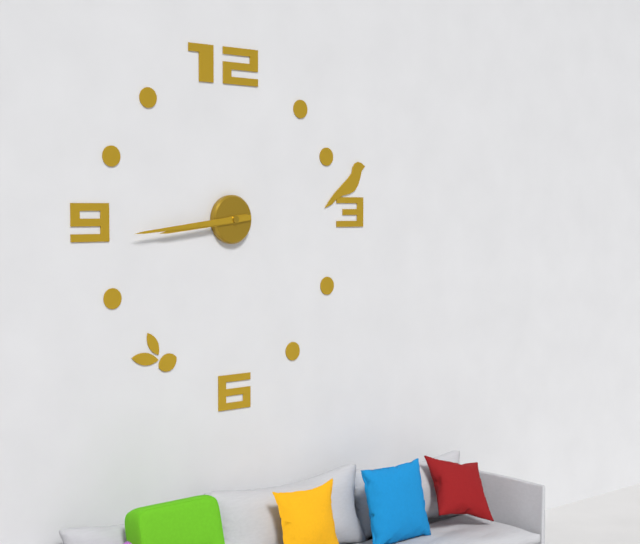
h=8 m=44
